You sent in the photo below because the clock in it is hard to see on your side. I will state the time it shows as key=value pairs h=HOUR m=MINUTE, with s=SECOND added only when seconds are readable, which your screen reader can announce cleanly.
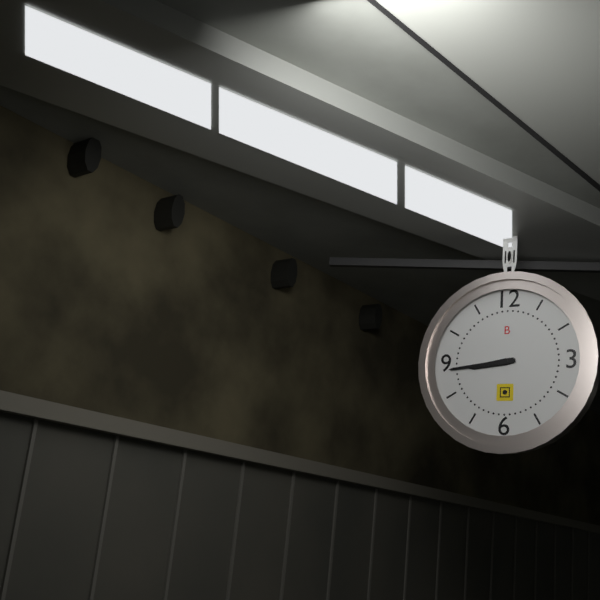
h=8 m=44
